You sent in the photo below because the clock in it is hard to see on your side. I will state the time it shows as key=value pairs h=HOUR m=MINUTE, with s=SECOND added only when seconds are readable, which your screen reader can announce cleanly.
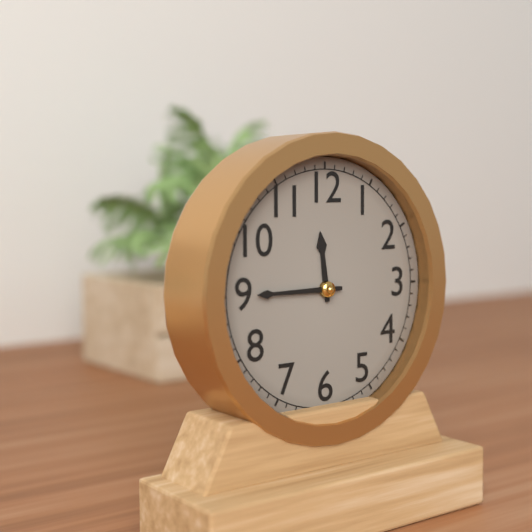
h=11 m=45
